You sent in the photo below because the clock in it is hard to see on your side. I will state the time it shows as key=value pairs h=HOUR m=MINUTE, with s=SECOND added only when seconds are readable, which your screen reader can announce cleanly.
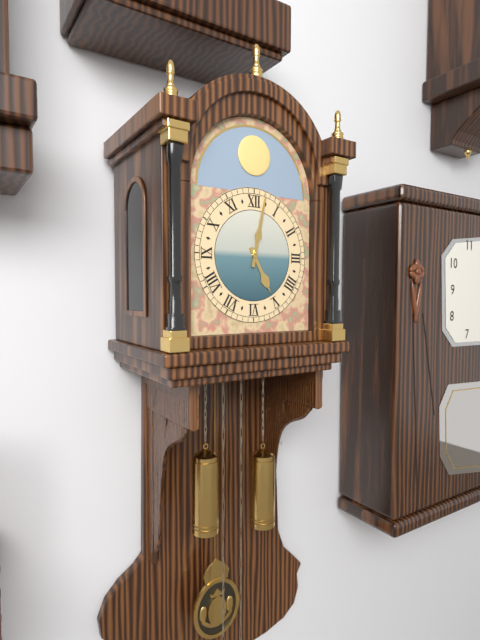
h=5 m=2
